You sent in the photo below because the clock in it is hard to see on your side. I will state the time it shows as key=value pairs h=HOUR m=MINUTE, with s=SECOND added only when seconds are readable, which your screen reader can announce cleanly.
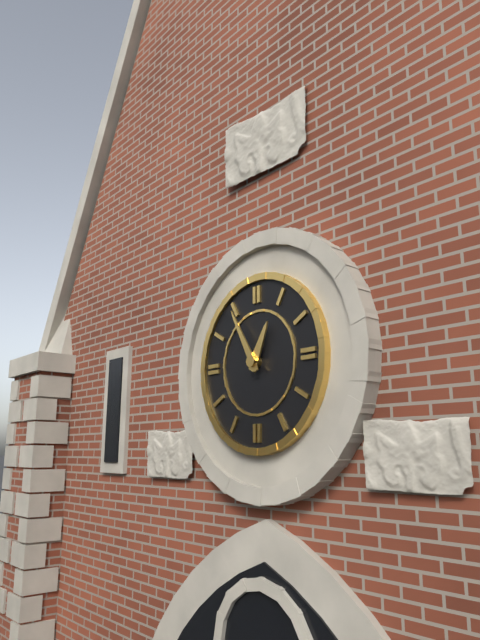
h=12 m=55
